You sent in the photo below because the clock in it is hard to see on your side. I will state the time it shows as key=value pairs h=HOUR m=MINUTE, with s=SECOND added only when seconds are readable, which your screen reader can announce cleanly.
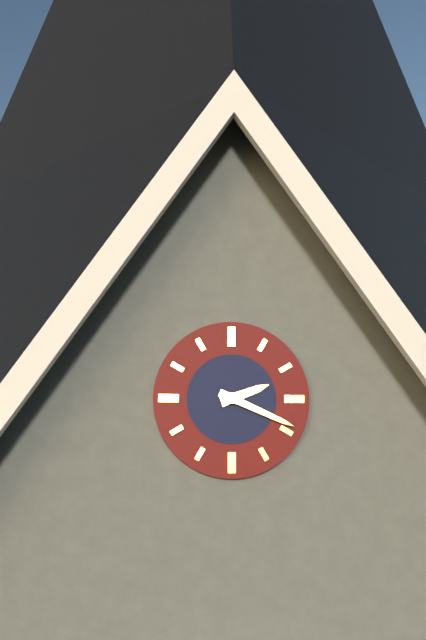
h=2 m=19
